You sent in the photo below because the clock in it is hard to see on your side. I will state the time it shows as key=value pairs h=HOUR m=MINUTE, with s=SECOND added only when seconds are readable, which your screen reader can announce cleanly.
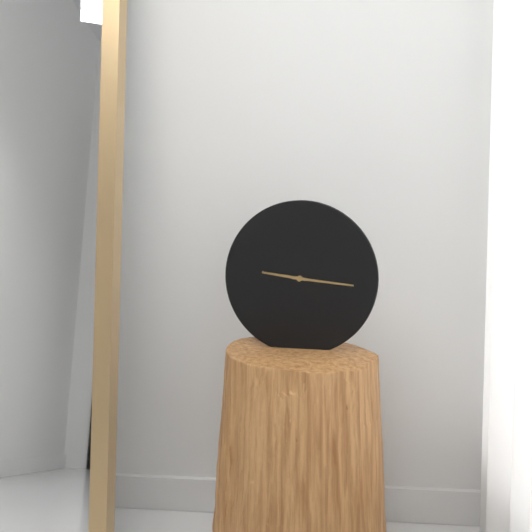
h=9 m=16
